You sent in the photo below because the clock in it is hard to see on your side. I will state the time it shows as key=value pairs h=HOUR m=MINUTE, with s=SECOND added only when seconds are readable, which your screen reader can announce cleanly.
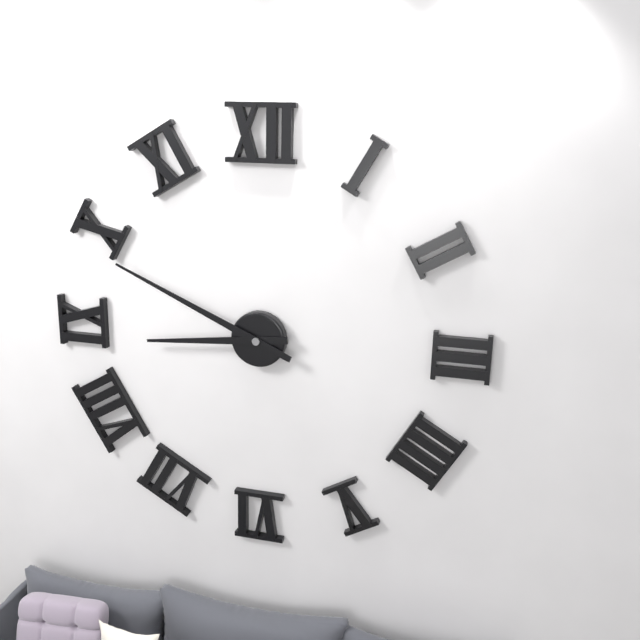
h=8 m=49
